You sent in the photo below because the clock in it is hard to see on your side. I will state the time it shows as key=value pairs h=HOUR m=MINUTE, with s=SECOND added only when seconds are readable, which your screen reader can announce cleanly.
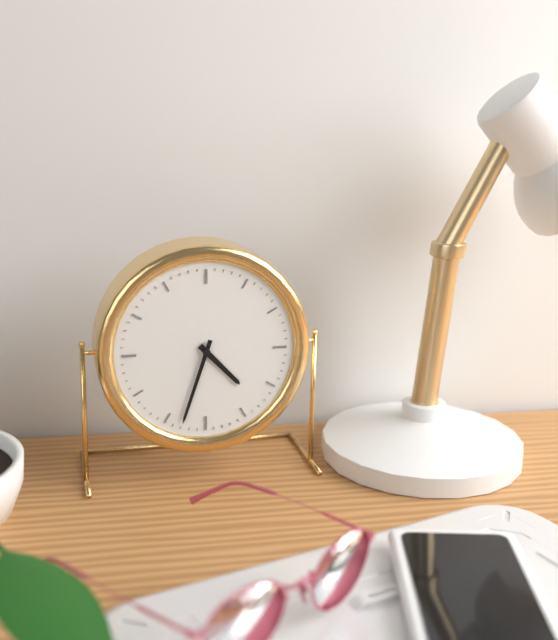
h=4 m=33
